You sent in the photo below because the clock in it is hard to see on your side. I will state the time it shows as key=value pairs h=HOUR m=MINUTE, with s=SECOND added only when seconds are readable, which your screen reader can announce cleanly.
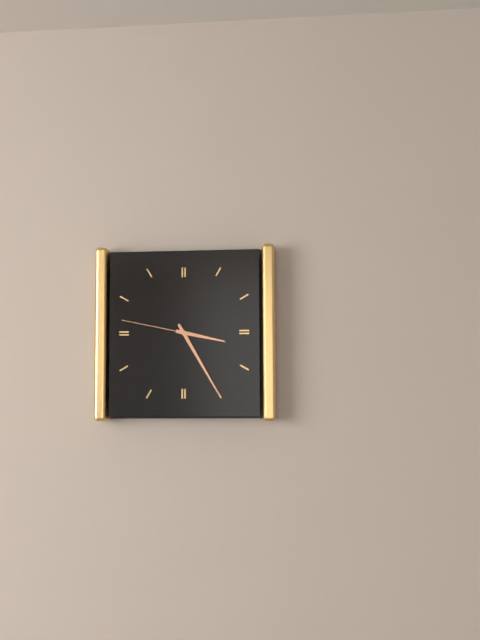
h=3 m=25 s=47
